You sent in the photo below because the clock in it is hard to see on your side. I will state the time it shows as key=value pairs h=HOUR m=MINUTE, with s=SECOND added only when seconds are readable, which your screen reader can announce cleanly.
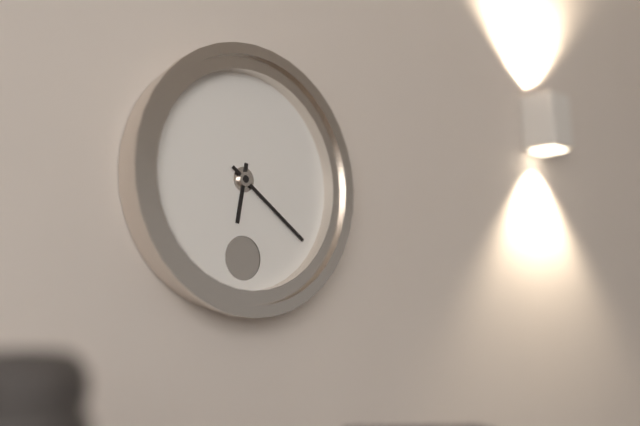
h=6 m=21
